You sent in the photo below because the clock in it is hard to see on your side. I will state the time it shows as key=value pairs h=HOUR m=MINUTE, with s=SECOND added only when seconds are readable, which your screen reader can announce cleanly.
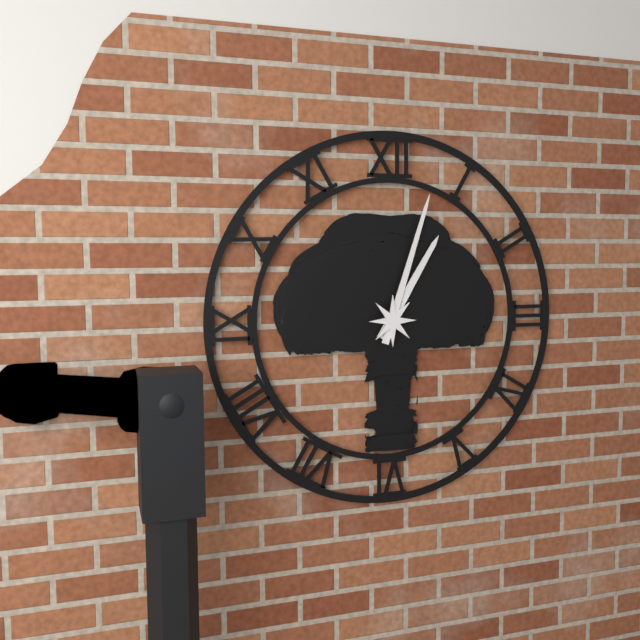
h=1 m=3
